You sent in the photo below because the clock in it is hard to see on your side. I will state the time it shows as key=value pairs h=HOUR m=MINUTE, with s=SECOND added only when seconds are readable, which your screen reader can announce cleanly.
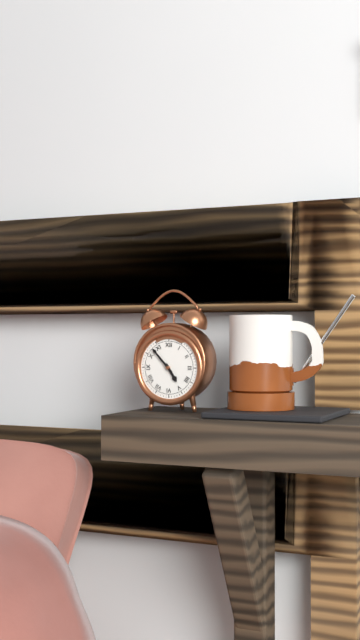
h=4 m=53
